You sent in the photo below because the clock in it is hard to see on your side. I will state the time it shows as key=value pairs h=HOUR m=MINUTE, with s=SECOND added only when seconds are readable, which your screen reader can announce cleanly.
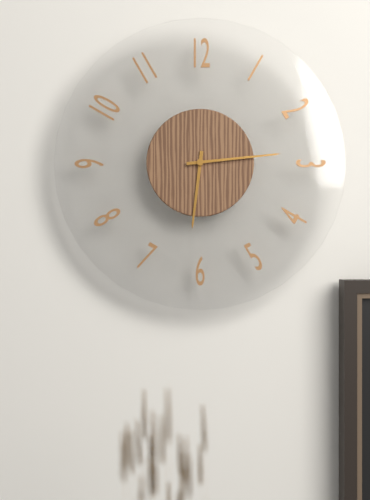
h=6 m=14
